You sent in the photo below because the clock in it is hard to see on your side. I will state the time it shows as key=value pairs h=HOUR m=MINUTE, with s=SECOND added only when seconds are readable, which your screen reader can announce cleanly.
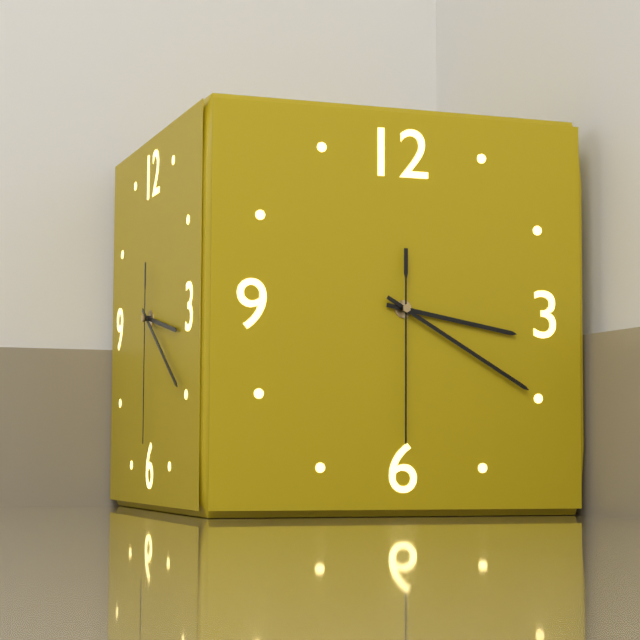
h=3 m=20 s=30
